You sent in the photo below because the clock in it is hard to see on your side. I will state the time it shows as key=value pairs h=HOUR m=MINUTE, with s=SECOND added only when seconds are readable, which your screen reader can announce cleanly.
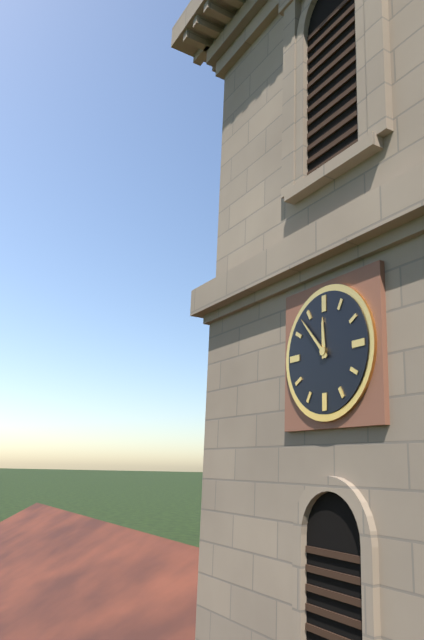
h=11 m=53
